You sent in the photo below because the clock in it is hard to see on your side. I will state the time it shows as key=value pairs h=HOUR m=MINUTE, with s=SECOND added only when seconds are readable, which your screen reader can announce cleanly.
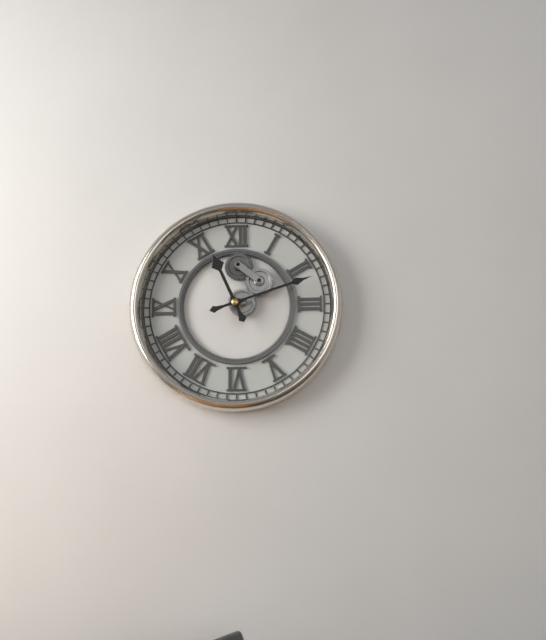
h=11 m=12
